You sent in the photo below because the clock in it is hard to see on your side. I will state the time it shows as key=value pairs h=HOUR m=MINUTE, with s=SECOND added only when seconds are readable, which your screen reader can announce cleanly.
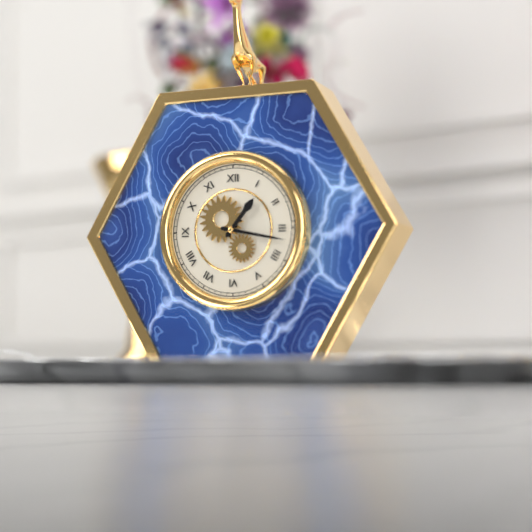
h=1 m=17
